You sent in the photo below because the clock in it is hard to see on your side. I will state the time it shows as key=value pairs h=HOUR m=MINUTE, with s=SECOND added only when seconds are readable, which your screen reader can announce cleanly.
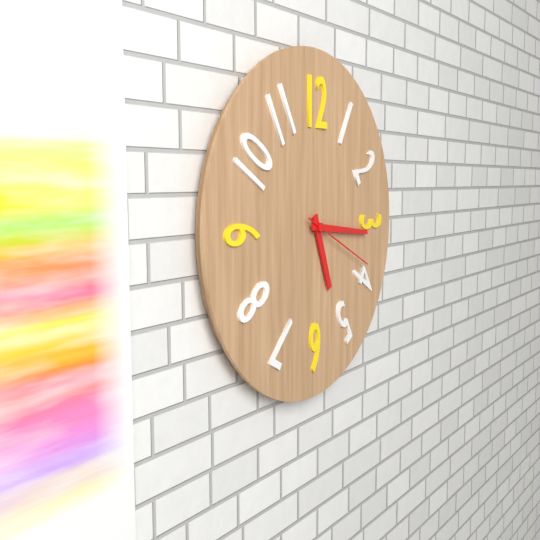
h=5 m=16 s=19
